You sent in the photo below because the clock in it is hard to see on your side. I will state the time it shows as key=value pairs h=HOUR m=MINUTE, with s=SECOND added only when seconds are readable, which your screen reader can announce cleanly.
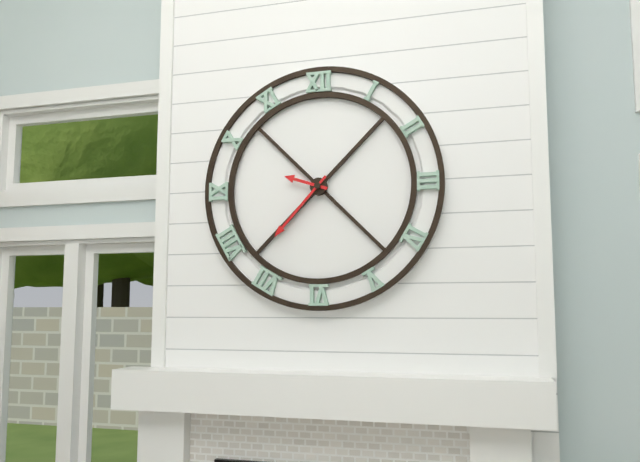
h=9 m=37
